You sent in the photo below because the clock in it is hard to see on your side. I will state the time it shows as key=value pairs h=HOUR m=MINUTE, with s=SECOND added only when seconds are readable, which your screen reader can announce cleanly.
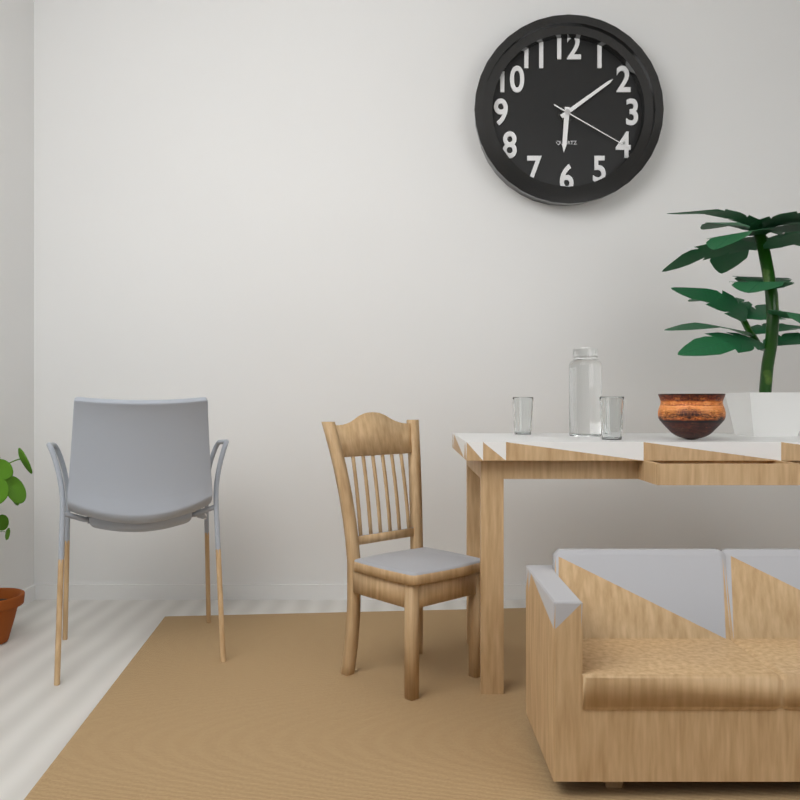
h=6 m=9 s=20
